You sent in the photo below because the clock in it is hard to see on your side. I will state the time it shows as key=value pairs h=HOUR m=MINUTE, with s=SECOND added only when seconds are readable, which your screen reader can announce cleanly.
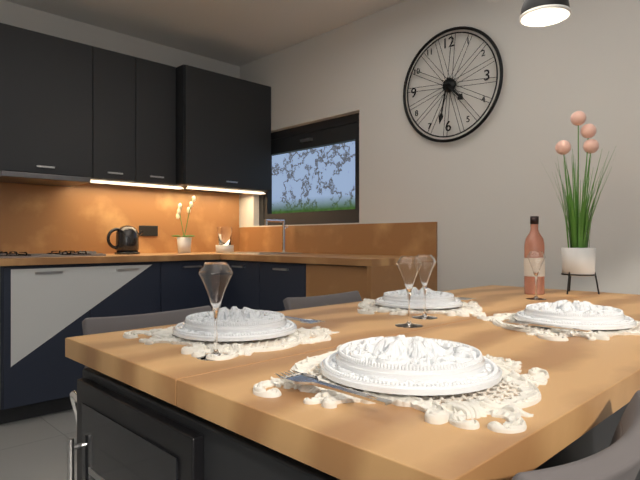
h=4 m=32
